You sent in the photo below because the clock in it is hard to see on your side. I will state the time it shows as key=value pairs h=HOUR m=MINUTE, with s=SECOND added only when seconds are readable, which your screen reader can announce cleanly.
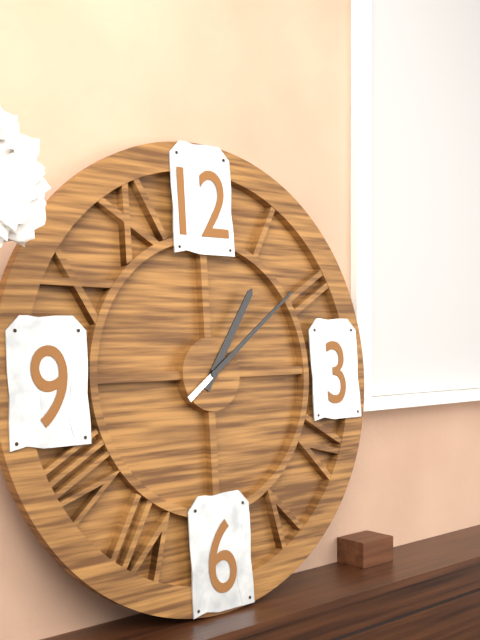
h=1 m=9
